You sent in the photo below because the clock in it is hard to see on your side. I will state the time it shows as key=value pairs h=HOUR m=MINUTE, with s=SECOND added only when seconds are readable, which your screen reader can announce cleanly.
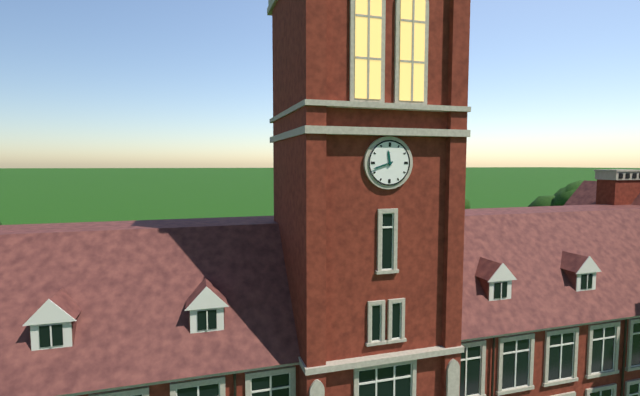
h=11 m=42
